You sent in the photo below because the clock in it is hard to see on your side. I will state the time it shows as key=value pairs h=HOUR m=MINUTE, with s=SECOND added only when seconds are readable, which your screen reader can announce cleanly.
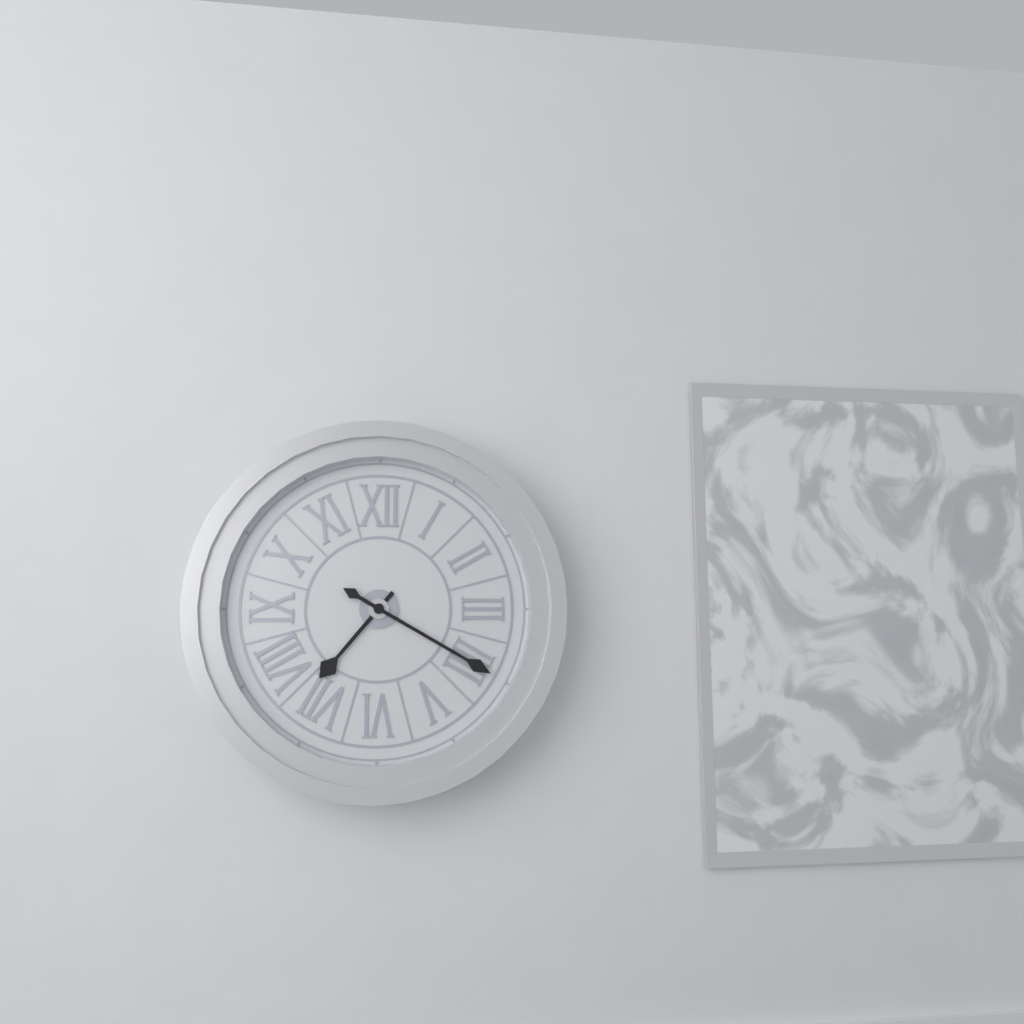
h=7 m=20
